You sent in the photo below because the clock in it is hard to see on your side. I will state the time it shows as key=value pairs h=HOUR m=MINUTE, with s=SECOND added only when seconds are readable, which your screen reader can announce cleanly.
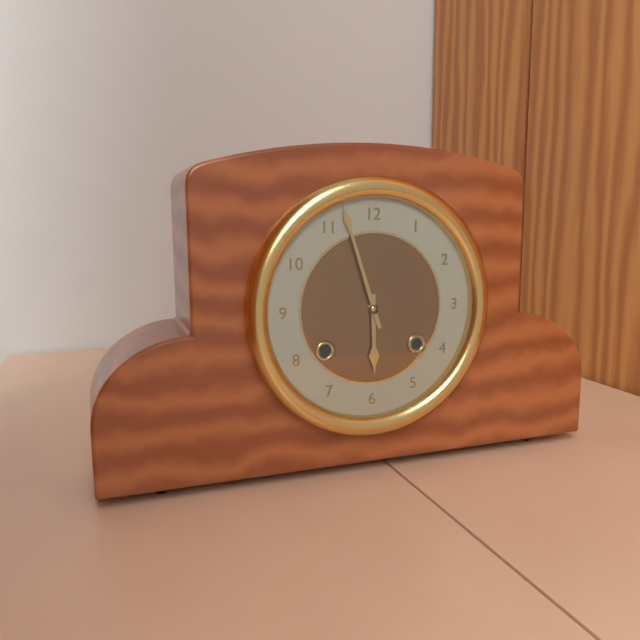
h=5 m=57
